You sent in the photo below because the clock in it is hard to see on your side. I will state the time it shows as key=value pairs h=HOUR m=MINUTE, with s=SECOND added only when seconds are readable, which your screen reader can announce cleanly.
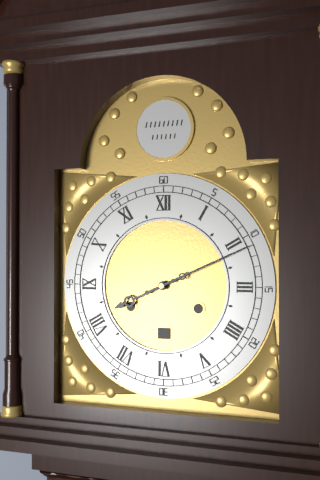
h=8 m=11
